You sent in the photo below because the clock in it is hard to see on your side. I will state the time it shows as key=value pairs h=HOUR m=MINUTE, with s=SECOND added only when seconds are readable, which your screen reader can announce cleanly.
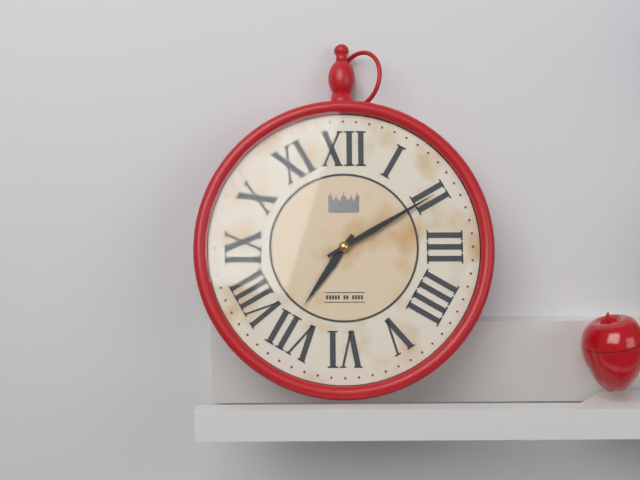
h=7 m=10
